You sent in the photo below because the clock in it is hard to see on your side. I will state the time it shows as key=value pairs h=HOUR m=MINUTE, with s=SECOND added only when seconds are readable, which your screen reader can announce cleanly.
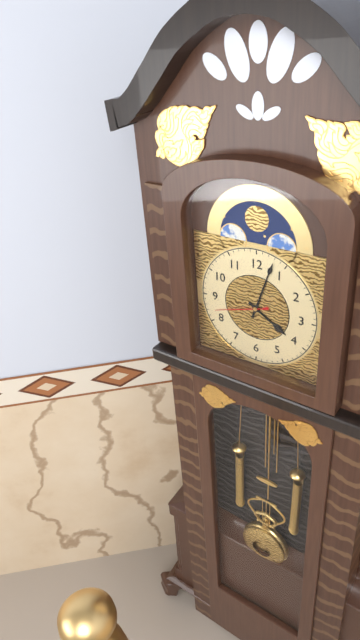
h=4 m=3 s=42
